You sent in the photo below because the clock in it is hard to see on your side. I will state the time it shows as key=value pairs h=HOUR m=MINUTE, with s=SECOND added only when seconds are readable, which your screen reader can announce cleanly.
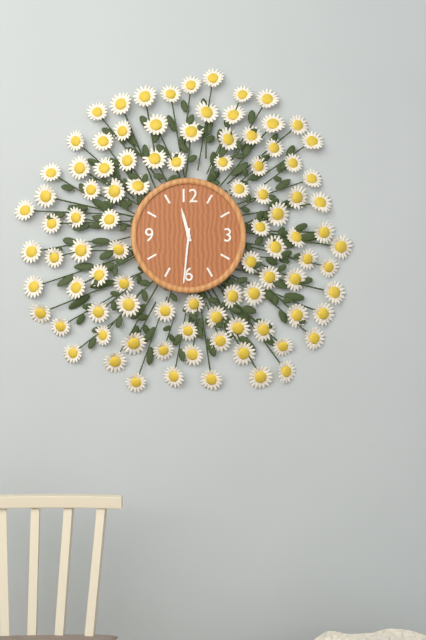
h=11 m=31
